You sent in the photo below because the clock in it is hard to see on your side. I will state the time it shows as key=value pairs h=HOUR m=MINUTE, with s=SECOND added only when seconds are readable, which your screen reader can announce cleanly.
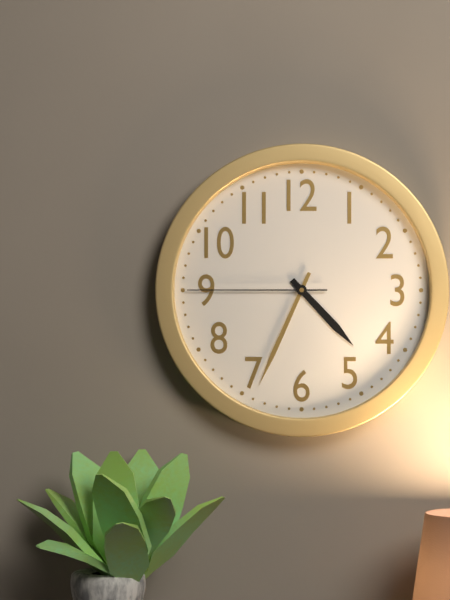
h=4 m=34 s=45
